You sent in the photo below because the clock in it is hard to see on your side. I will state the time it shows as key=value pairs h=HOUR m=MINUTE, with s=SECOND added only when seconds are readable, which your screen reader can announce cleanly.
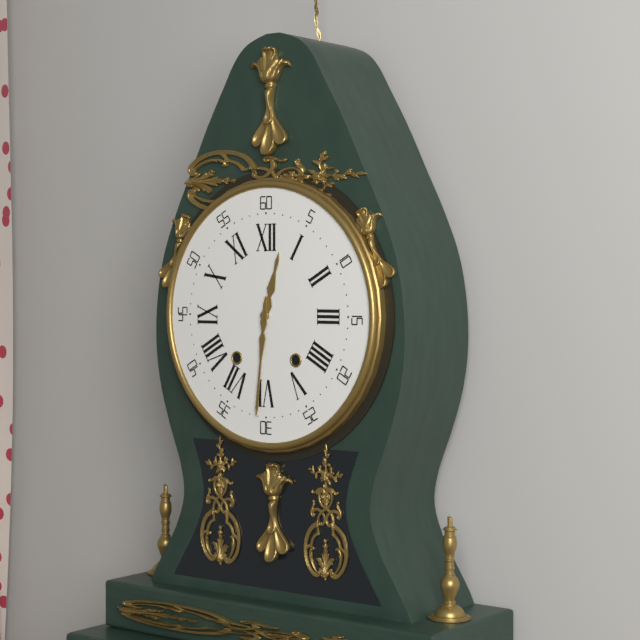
h=12 m=31
